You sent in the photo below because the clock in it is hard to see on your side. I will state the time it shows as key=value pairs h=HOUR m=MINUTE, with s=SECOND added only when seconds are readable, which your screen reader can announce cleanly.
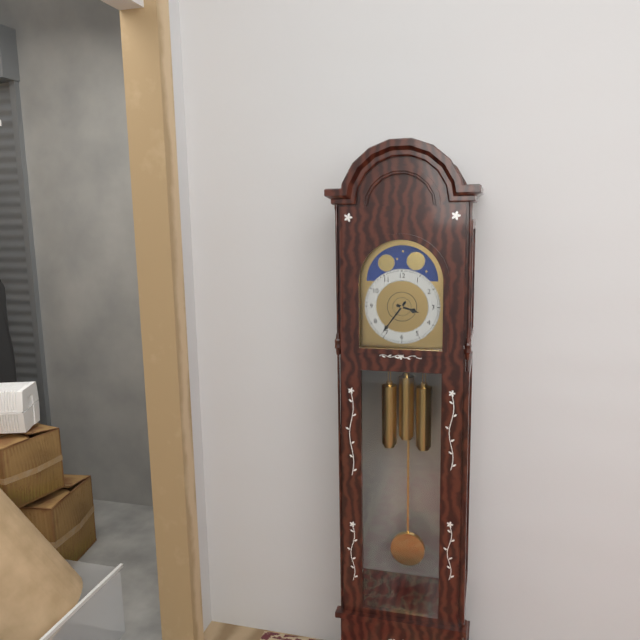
h=3 m=36
